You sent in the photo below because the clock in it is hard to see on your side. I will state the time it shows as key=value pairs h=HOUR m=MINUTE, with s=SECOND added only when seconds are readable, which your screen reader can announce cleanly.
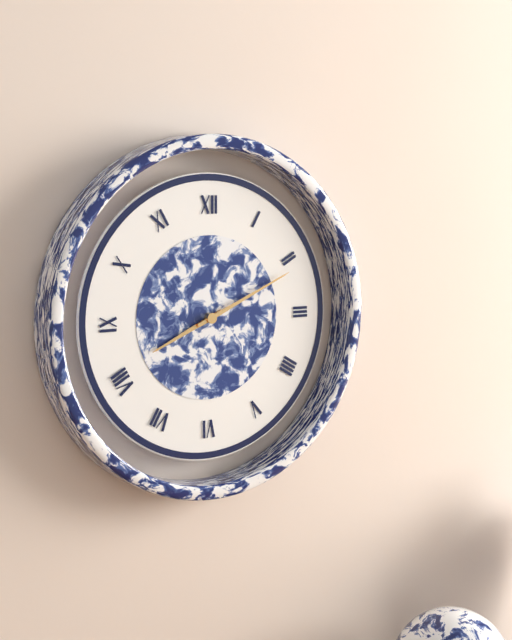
h=8 m=11
